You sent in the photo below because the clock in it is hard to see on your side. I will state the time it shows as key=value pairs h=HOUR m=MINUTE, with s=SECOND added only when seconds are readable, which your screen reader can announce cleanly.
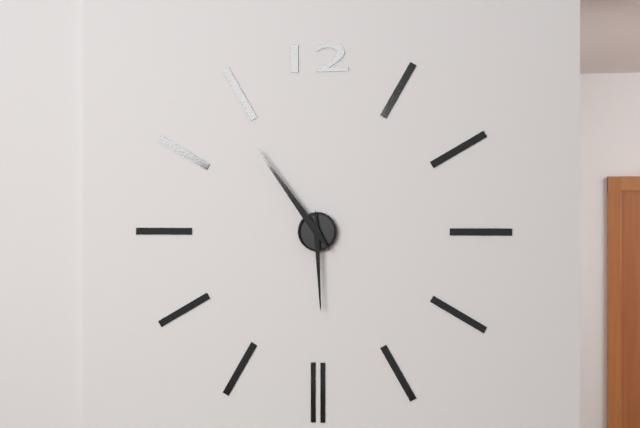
h=5 m=54
